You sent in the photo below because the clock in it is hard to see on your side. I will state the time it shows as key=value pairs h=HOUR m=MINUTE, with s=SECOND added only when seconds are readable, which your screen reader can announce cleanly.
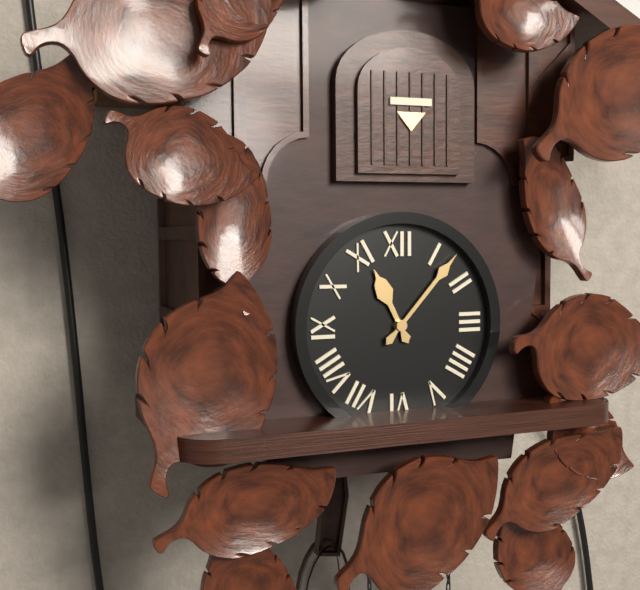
h=11 m=7
